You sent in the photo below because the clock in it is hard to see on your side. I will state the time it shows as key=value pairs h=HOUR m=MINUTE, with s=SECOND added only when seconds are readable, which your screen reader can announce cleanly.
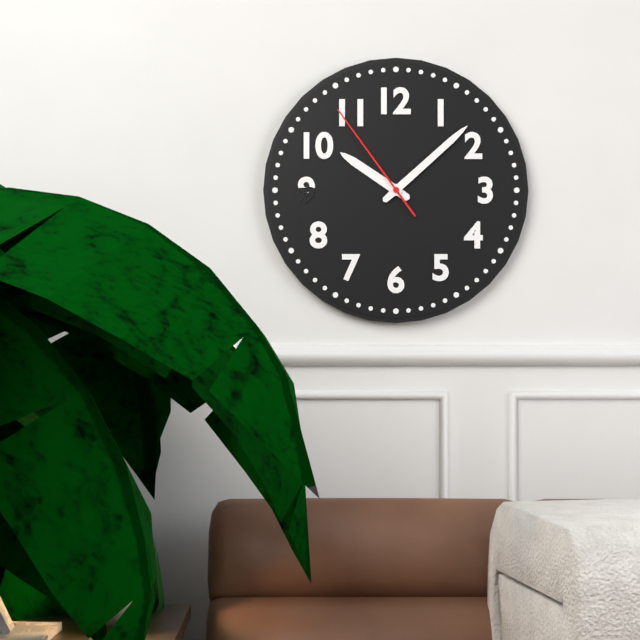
h=10 m=8 s=54
